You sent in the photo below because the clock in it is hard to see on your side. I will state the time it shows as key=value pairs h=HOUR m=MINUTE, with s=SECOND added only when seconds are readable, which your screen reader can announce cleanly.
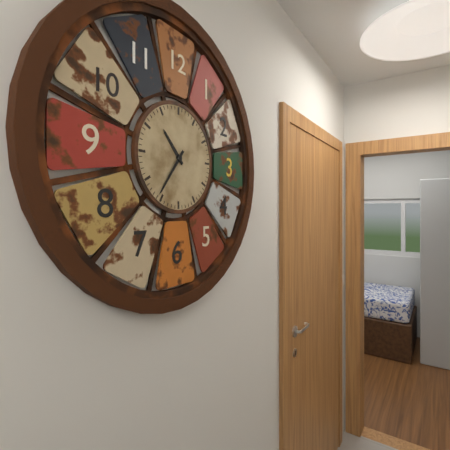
h=10 m=36
